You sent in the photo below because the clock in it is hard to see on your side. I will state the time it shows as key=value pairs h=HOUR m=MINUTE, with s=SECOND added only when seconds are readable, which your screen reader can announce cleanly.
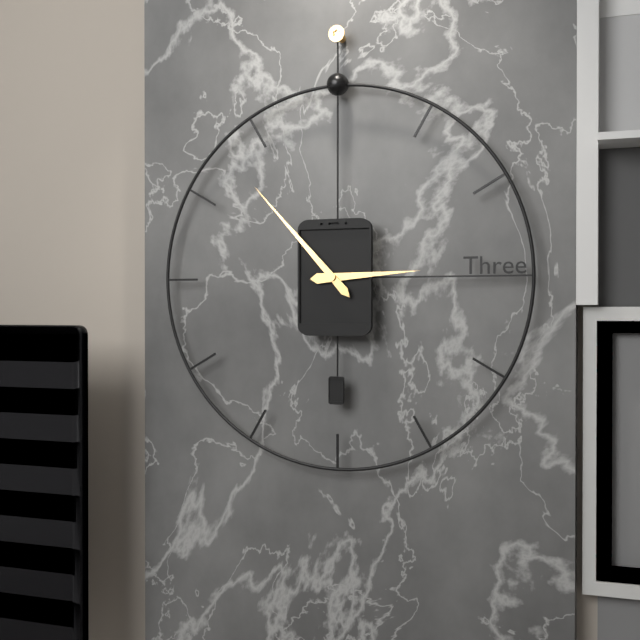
h=2 m=53
